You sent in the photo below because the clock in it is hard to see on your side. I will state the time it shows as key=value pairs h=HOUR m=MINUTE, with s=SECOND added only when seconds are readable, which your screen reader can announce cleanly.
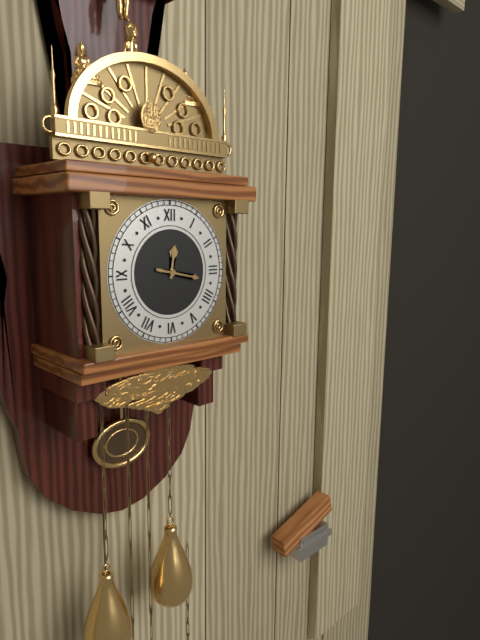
h=12 m=17
